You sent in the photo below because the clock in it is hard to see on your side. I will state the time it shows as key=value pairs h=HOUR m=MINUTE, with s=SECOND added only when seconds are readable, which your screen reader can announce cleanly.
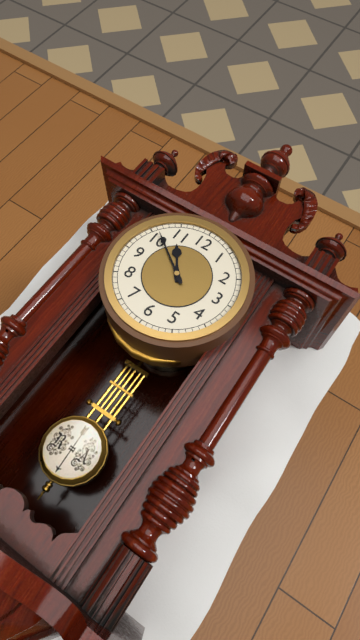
h=10 m=51
